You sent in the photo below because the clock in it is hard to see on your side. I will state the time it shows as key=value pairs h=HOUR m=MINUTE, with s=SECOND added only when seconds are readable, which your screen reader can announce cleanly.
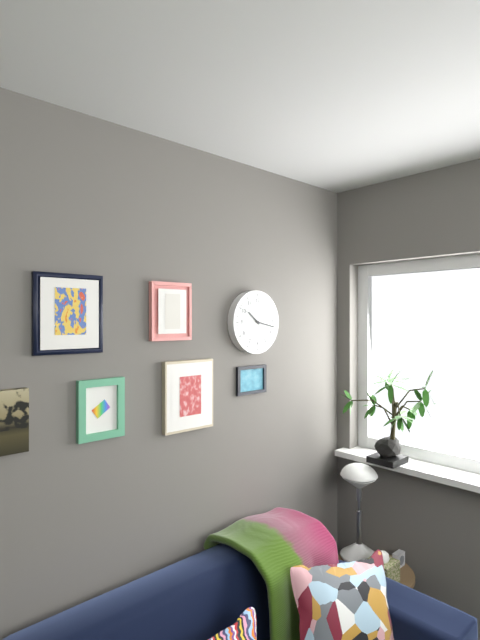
h=10 m=17
